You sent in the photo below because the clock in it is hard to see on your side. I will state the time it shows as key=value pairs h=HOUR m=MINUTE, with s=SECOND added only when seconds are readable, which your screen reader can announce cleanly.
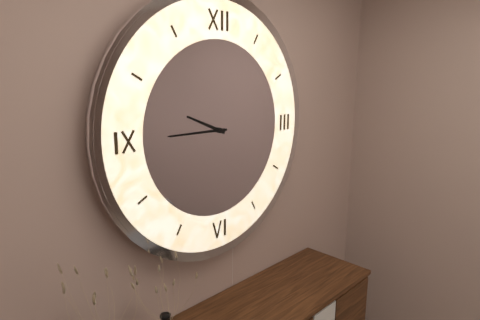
h=9 m=45
